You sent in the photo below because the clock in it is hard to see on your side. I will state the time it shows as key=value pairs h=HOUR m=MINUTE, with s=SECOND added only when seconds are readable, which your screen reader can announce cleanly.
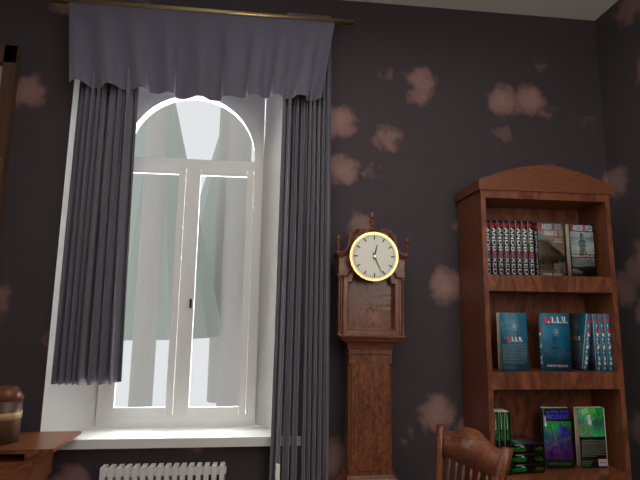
h=12 m=26
